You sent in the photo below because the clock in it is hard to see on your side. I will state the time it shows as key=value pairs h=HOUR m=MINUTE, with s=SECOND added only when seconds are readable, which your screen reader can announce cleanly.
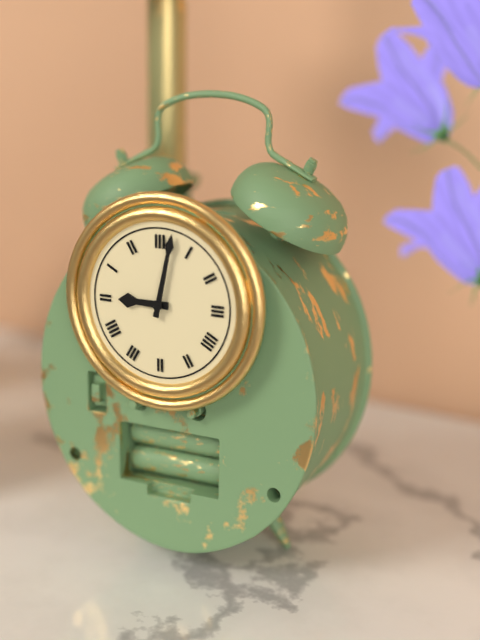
h=9 m=2
